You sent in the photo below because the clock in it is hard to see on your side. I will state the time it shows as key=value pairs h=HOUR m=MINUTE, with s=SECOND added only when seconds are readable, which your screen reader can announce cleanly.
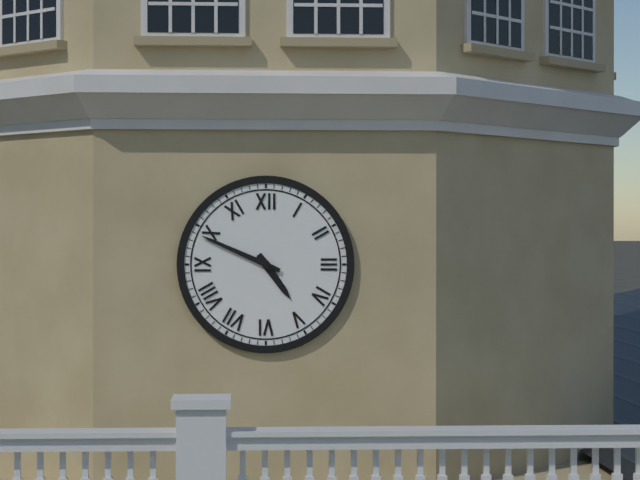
h=4 m=49
